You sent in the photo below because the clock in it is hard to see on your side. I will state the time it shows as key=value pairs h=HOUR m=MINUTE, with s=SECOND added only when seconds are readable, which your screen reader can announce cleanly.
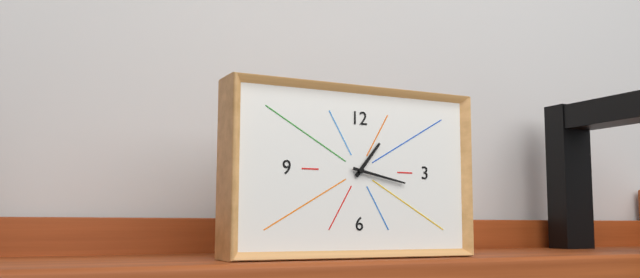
h=1 m=17
